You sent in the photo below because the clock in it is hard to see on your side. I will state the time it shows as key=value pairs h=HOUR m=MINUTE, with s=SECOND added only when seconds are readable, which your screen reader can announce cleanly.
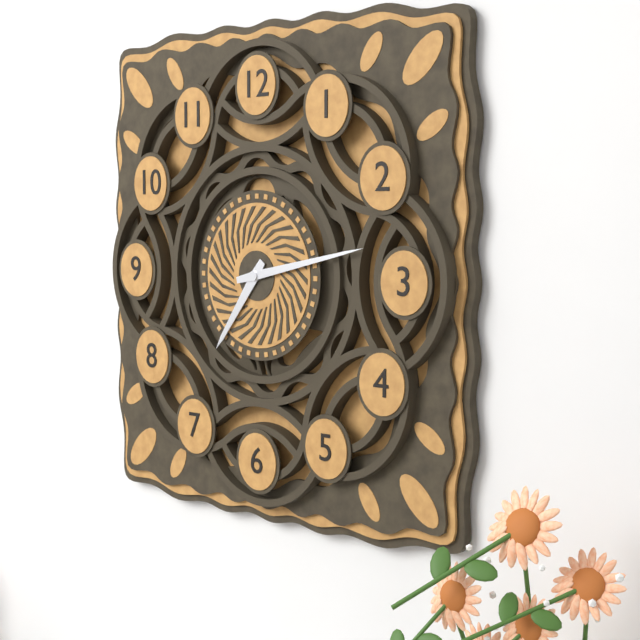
h=7 m=13
